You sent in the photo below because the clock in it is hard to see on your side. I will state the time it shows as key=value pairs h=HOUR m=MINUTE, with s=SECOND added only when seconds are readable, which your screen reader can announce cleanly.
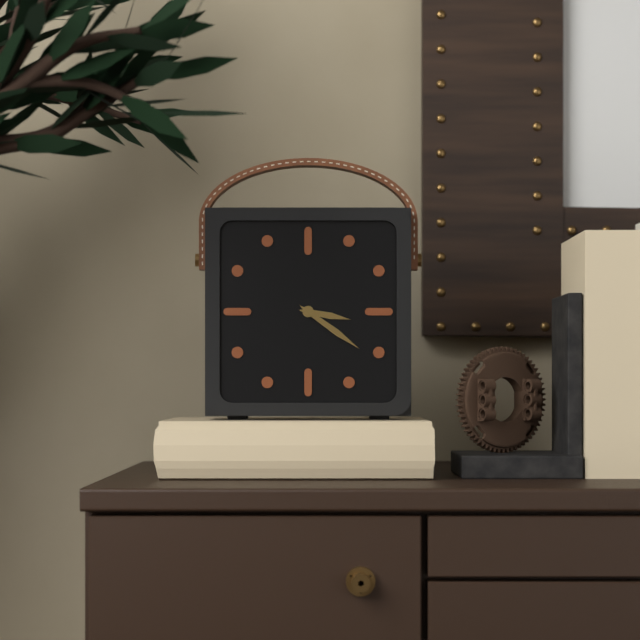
h=3 m=21
